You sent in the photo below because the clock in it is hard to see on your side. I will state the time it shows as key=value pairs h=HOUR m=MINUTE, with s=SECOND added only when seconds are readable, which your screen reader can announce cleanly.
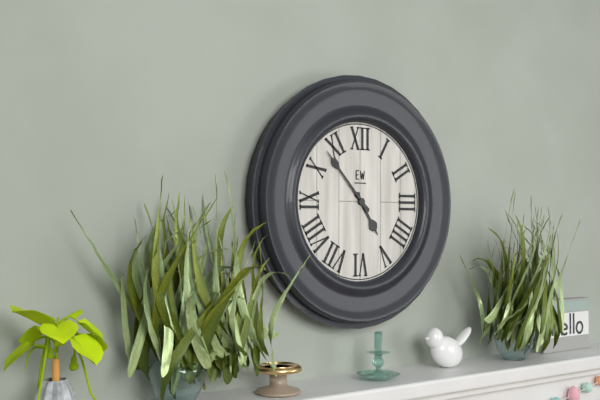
h=4 m=53
